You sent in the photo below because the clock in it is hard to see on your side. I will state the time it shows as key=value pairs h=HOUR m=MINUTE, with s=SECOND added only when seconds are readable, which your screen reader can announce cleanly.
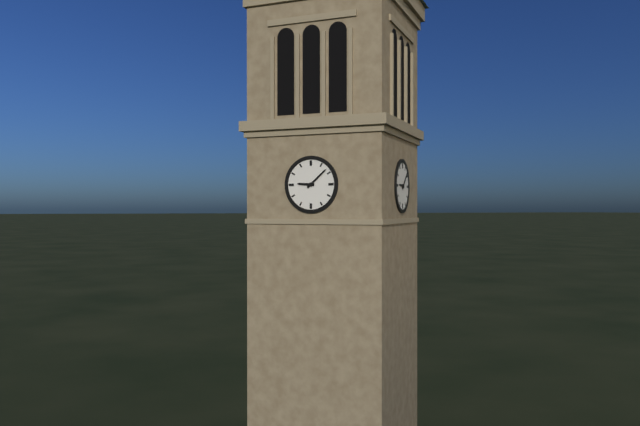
h=9 m=8
